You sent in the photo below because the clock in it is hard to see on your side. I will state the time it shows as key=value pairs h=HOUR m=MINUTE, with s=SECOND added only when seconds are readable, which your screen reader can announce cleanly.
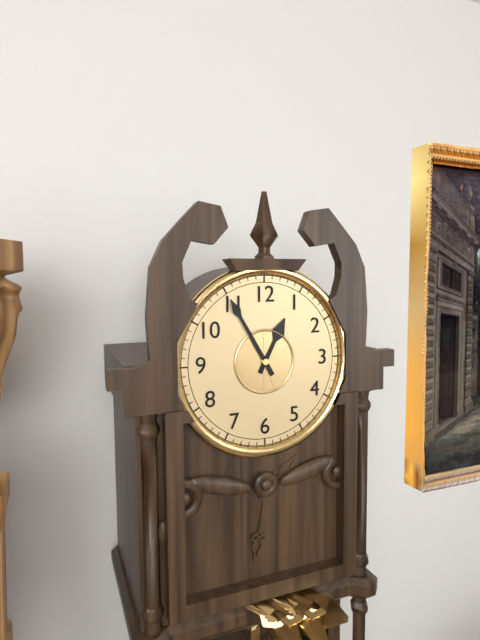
h=12 m=55
